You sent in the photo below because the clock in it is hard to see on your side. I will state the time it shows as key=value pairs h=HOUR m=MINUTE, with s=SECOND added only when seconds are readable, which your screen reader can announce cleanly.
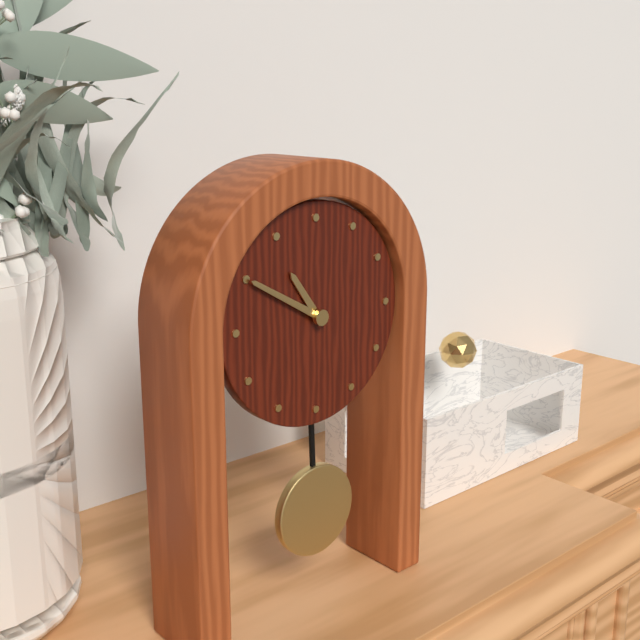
h=10 m=50
